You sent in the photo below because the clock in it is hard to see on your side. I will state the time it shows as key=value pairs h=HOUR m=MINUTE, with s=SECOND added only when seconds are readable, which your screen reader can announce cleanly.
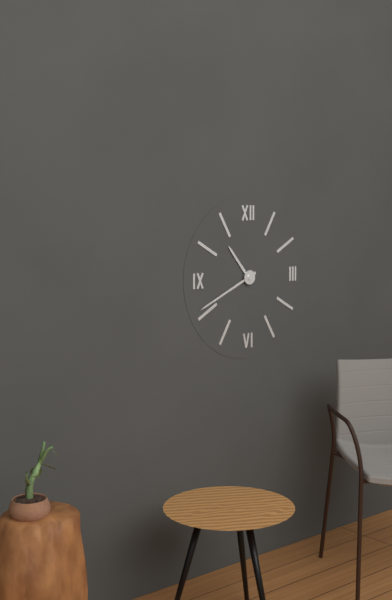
h=10 m=41
